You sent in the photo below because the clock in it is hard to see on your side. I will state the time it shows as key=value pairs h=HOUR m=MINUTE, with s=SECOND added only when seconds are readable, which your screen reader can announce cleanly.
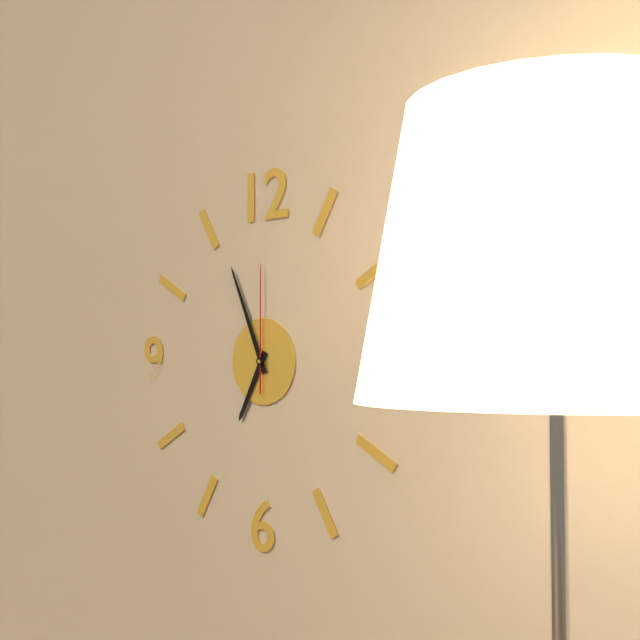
h=6 m=56 s=0
